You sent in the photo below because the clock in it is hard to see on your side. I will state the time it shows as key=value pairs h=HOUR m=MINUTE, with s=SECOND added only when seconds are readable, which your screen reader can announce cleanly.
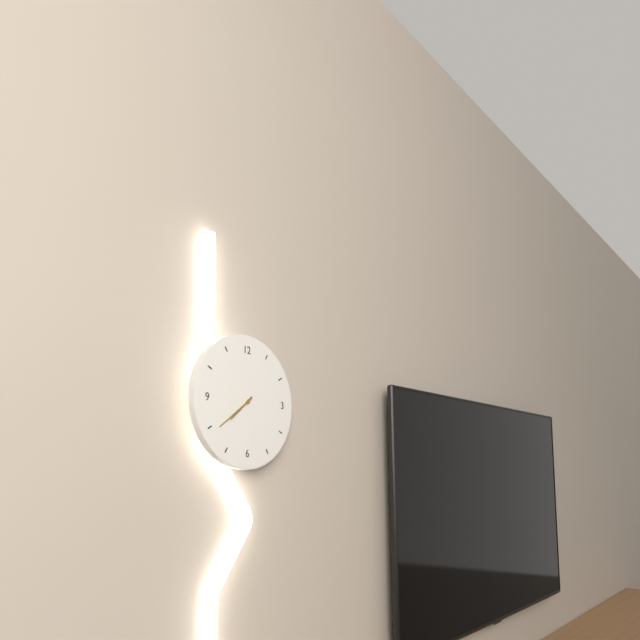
h=7 m=39
